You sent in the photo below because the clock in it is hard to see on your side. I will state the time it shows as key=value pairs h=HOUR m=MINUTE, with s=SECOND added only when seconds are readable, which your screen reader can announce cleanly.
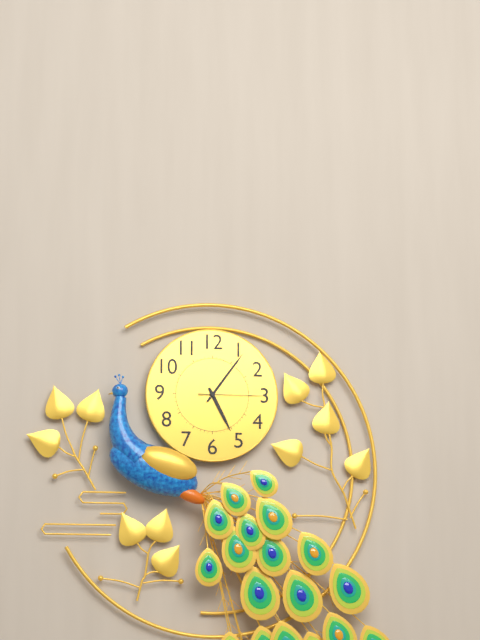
h=5 m=6 s=15
